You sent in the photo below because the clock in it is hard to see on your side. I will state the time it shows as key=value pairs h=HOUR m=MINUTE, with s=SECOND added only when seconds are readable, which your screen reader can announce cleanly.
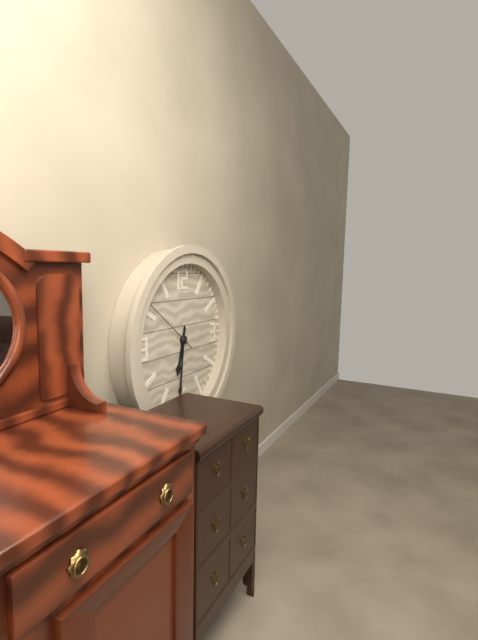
h=6 m=31 s=51
